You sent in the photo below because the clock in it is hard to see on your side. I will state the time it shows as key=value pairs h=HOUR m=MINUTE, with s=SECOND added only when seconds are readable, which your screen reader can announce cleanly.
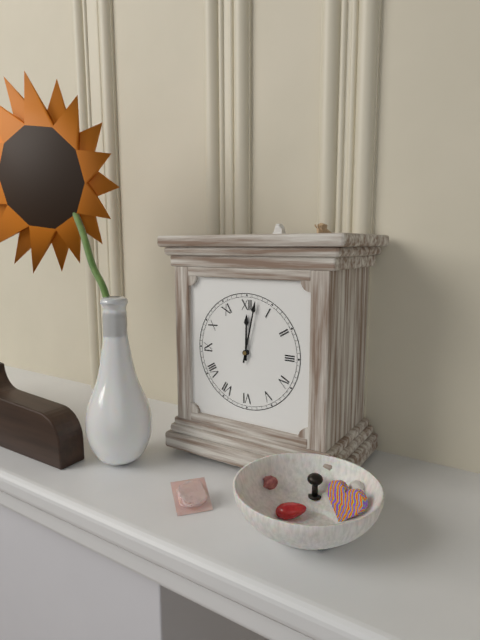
h=12 m=2
